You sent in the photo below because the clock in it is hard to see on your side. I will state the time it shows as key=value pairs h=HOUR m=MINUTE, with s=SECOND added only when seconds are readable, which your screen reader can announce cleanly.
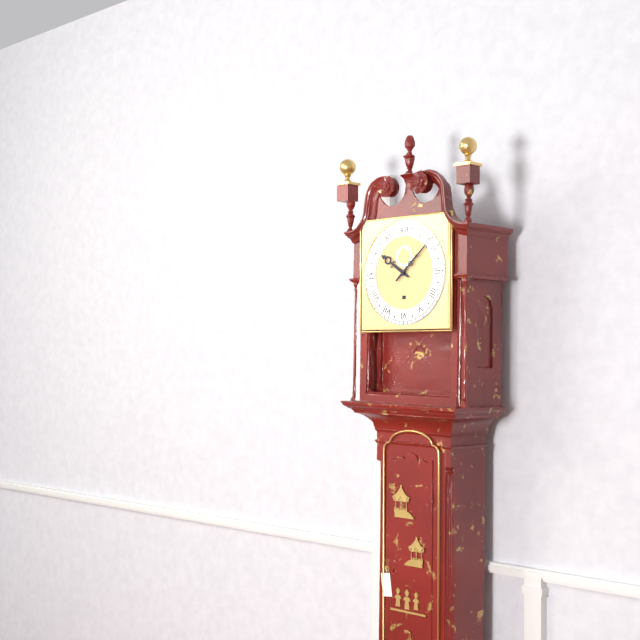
h=10 m=8
